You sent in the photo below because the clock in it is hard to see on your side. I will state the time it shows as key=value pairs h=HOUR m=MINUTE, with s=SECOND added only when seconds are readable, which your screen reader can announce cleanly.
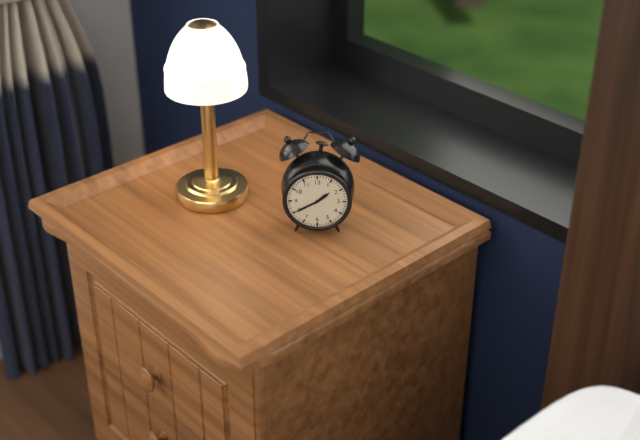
h=1 m=40
